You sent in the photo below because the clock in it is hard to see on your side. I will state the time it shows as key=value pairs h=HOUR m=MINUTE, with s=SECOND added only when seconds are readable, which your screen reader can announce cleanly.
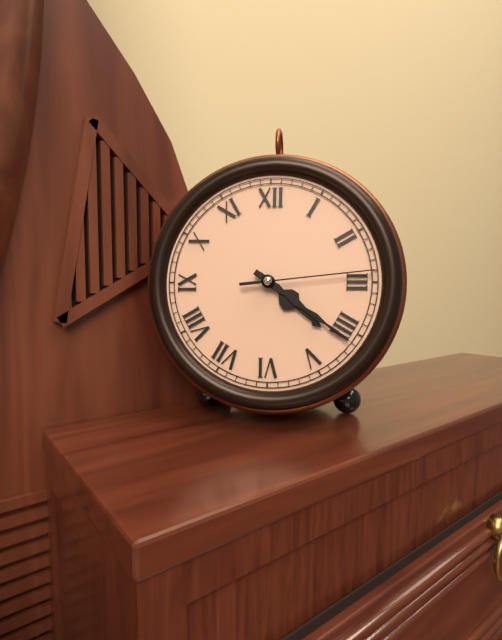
h=4 m=21 s=14
